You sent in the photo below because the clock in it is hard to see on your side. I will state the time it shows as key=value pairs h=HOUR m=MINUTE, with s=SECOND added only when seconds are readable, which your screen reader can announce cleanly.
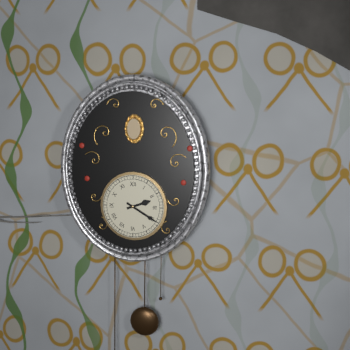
h=2 m=20
